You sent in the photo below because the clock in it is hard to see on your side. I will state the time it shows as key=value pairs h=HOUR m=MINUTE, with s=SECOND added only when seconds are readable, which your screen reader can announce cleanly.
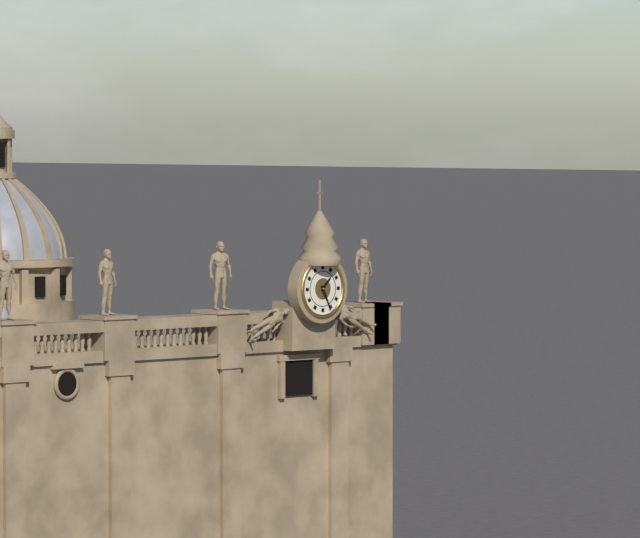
h=1 m=26
